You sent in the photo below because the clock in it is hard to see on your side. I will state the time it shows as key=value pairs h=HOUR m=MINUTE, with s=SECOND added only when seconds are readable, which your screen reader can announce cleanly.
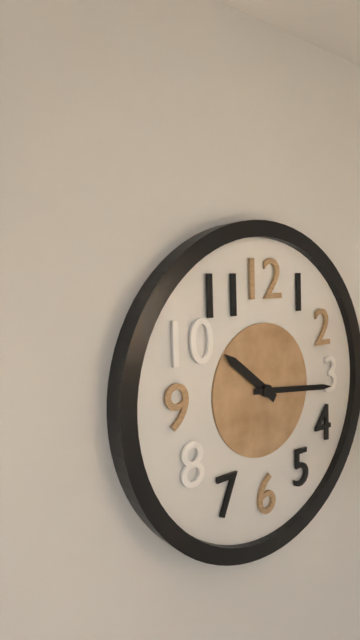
h=10 m=16
